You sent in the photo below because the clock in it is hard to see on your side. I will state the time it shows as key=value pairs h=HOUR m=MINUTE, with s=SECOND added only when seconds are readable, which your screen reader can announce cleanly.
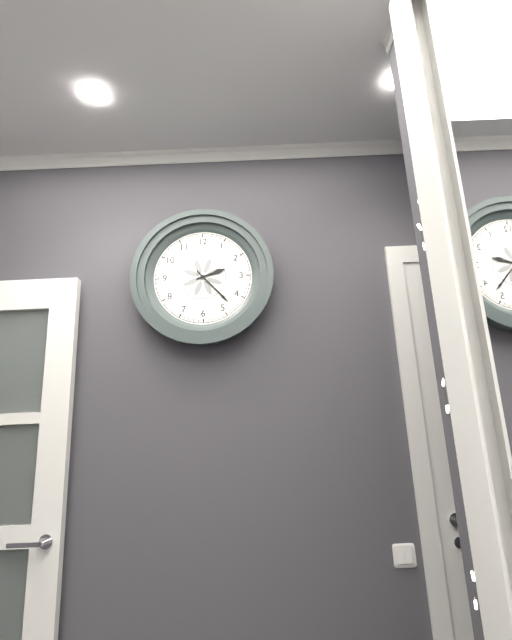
h=2 m=23
